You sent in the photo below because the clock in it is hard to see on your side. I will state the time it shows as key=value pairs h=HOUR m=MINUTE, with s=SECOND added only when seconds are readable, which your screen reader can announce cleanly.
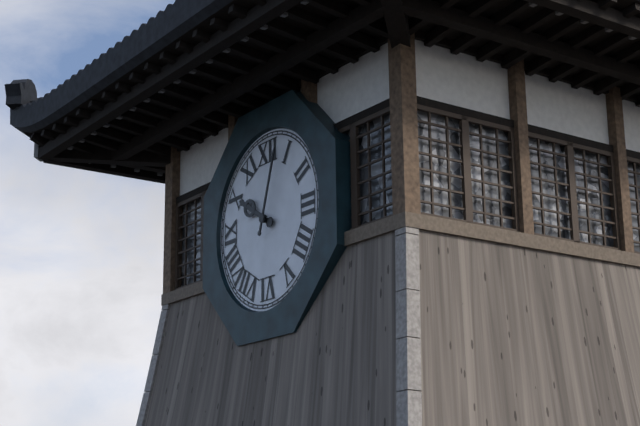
h=10 m=3
